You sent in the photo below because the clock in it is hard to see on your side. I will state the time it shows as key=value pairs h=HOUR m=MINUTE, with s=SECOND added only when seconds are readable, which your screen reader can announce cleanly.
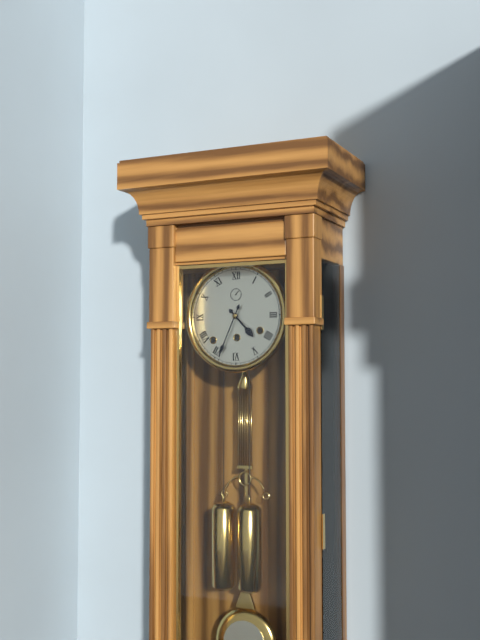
h=4 m=34
